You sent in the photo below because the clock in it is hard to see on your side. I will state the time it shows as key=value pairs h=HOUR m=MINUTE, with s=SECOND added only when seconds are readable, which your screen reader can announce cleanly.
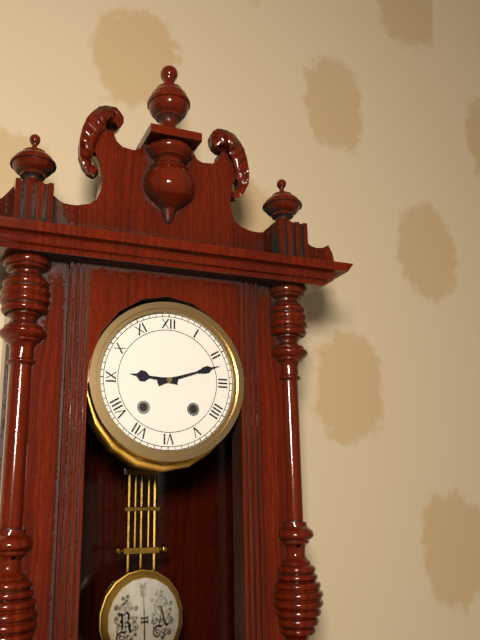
h=9 m=12
